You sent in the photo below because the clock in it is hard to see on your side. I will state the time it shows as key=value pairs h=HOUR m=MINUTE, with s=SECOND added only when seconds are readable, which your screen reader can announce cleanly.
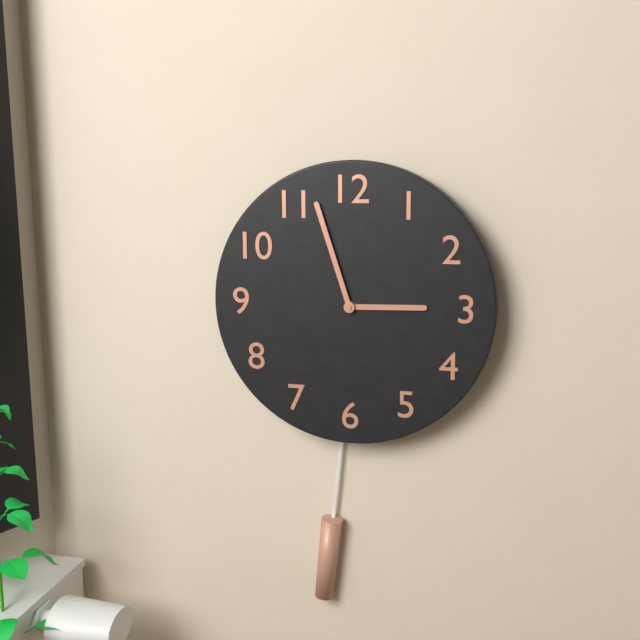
h=2 m=57
